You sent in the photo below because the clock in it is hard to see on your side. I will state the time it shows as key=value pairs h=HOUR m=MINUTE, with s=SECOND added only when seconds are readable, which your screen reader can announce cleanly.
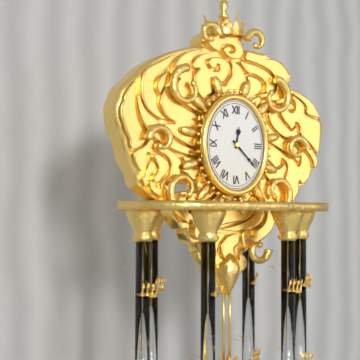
h=12 m=22
